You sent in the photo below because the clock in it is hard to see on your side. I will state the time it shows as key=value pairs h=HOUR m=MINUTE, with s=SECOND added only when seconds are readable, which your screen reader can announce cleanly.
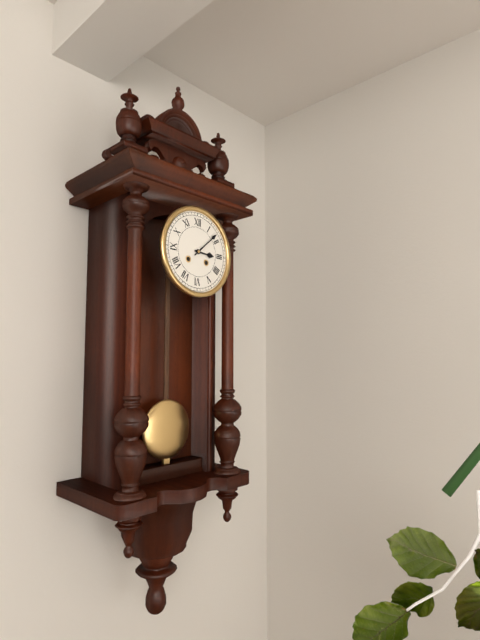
h=3 m=8
